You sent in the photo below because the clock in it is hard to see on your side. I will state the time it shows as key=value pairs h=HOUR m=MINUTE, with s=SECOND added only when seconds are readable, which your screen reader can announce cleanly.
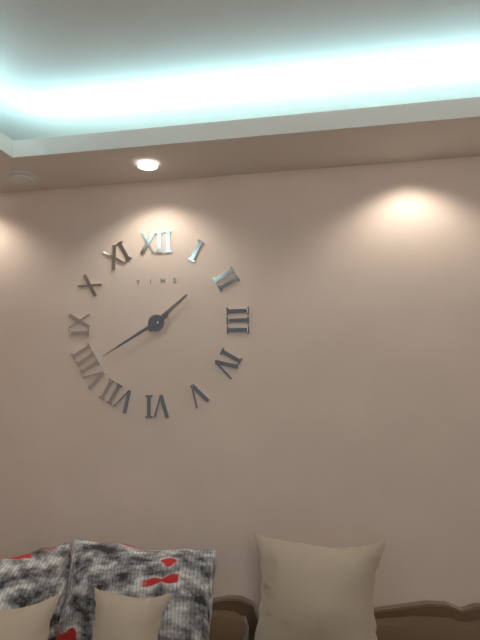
h=1 m=40
